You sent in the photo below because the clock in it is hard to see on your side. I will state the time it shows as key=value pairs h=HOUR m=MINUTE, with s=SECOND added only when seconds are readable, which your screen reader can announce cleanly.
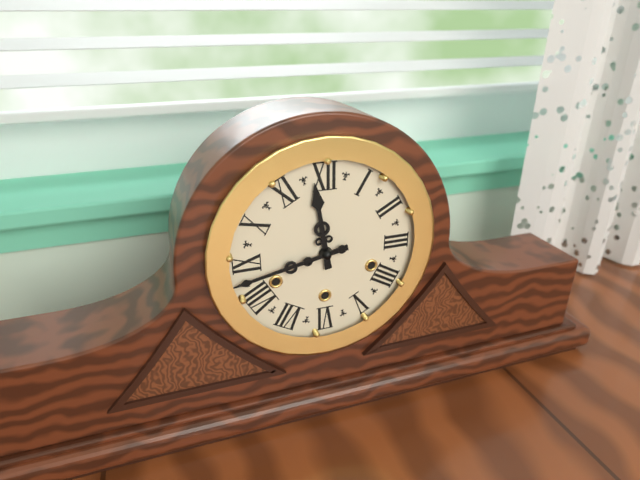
h=11 m=43
